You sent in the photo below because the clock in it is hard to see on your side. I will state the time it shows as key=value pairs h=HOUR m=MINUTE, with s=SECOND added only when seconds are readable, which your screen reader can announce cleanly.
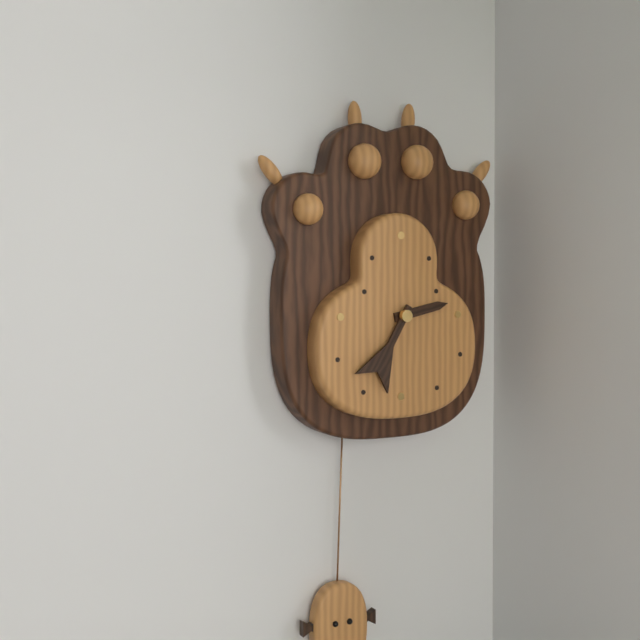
h=2 m=35
